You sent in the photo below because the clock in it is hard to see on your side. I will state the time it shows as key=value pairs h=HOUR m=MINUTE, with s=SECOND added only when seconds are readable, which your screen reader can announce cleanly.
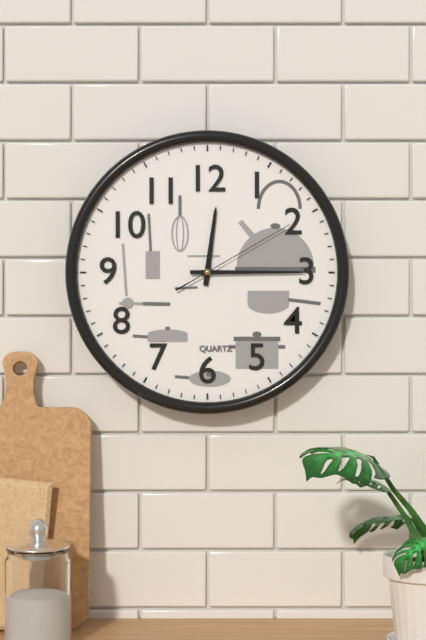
h=12 m=15 s=10
